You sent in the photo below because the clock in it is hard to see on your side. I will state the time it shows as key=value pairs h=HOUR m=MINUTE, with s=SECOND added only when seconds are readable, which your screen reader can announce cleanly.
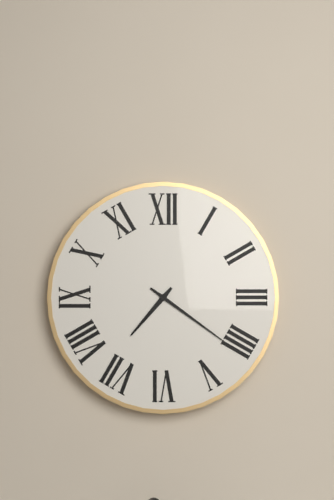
h=7 m=21
